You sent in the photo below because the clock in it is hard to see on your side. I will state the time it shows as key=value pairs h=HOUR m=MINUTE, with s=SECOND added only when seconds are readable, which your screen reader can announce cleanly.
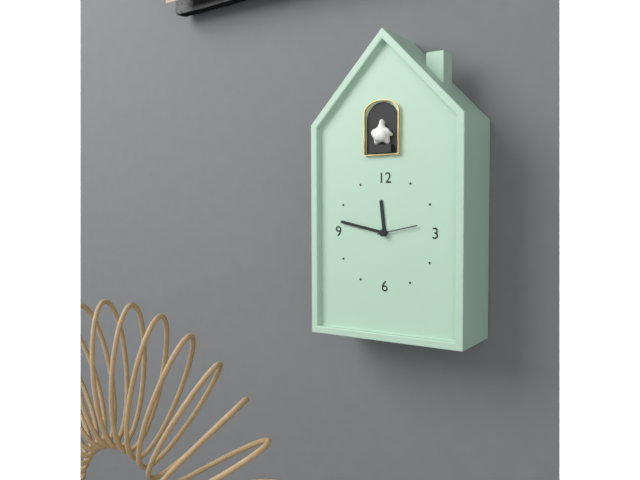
h=11 m=47
